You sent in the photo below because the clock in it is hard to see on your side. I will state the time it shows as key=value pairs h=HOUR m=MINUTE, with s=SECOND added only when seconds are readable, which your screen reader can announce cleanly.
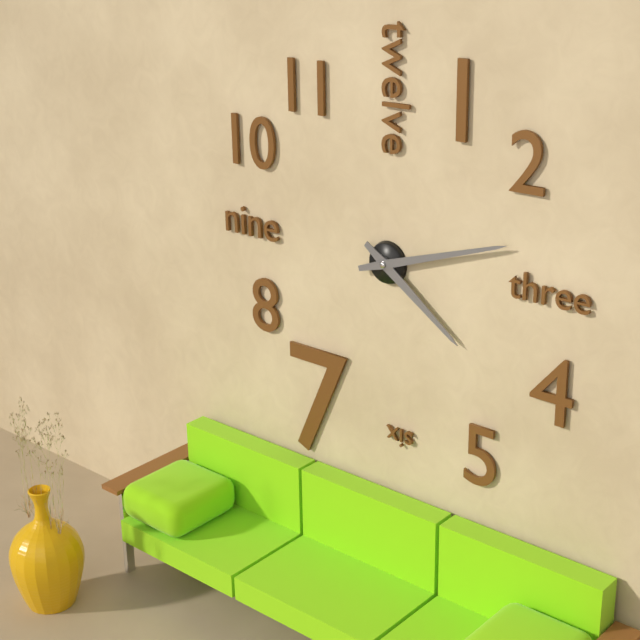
h=4 m=12
